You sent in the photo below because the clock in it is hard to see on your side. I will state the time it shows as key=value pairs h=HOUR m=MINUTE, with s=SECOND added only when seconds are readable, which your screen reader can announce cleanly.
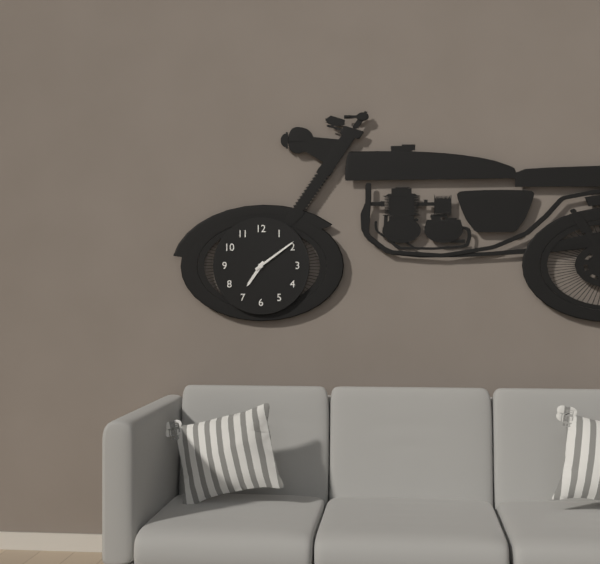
h=7 m=9
